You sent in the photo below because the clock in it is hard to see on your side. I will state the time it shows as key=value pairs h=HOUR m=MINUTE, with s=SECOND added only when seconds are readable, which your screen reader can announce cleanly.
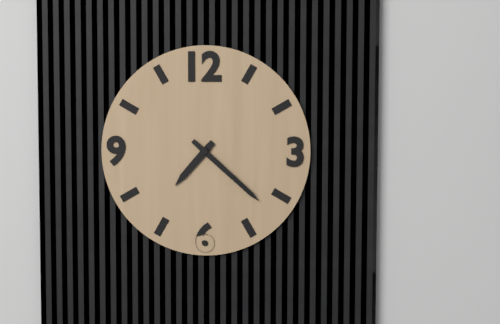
h=7 m=22
